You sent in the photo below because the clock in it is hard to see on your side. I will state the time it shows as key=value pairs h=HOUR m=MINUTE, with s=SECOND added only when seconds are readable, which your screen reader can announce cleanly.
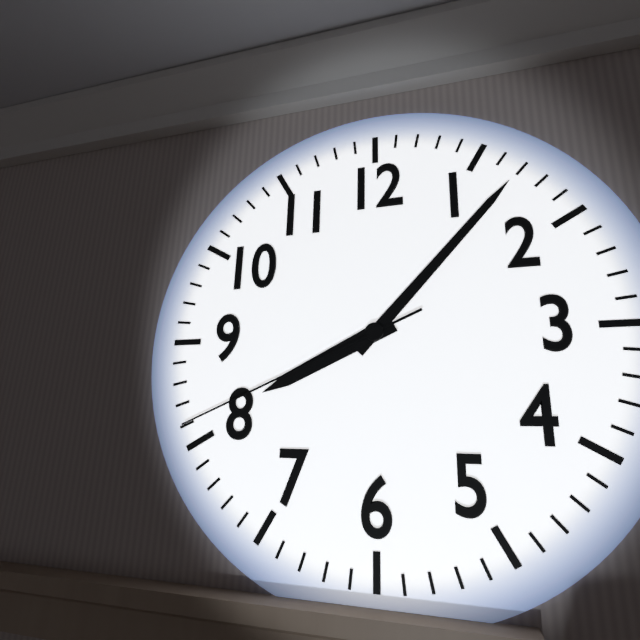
h=8 m=7 s=41
